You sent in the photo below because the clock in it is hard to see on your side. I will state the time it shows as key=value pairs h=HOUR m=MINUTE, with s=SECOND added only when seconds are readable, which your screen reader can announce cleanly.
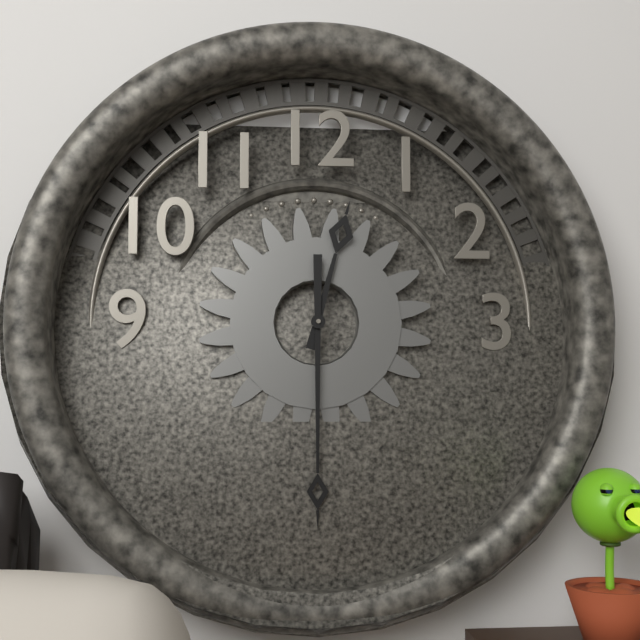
h=12 m=30
